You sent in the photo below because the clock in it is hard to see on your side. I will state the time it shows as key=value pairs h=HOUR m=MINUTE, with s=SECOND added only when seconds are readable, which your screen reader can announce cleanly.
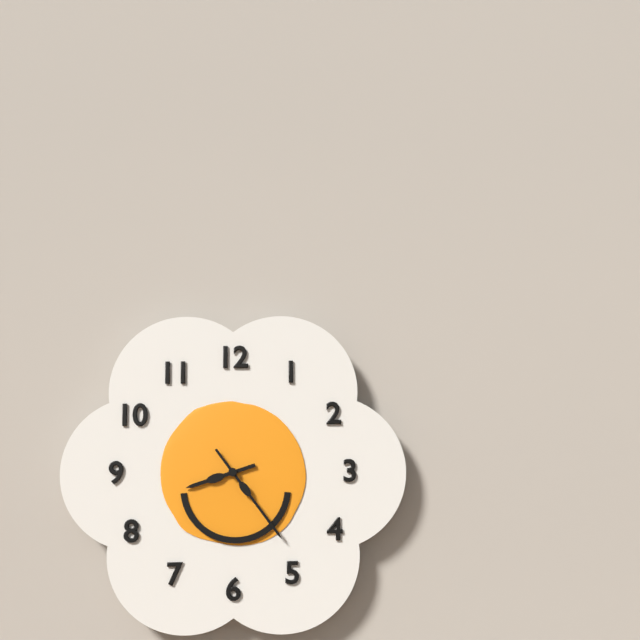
h=8 m=24
